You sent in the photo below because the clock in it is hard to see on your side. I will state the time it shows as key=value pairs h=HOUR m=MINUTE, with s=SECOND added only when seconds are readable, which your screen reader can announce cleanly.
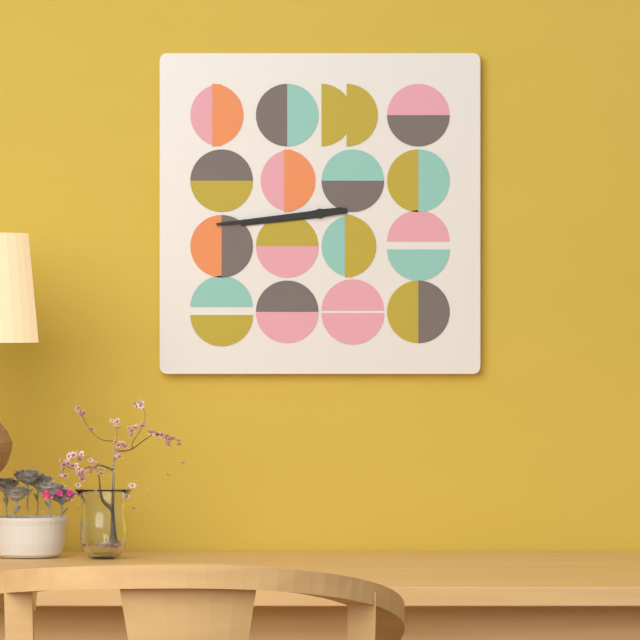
h=8 m=44
